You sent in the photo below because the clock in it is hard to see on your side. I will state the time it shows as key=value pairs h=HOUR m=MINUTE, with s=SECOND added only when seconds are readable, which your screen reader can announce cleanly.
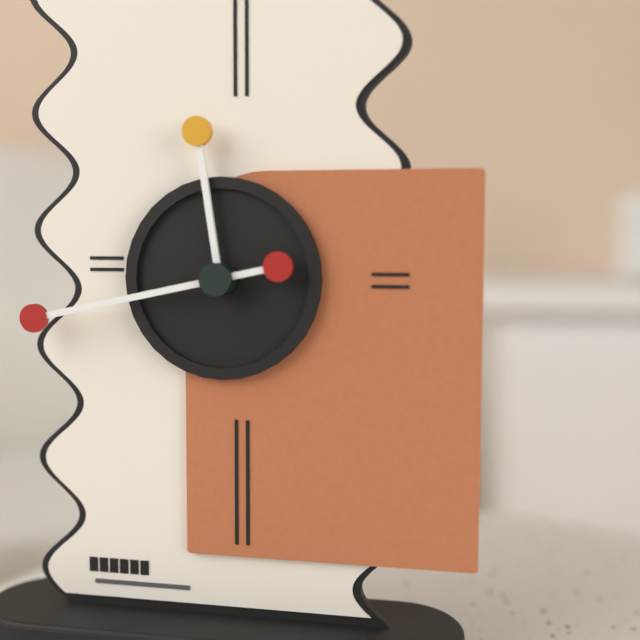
h=11 m=43
